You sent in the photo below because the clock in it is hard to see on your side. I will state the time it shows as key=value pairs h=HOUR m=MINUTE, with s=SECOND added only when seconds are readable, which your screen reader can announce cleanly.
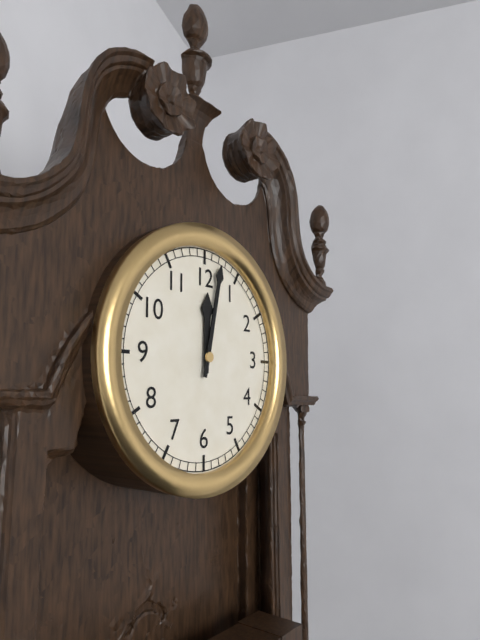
h=12 m=2
